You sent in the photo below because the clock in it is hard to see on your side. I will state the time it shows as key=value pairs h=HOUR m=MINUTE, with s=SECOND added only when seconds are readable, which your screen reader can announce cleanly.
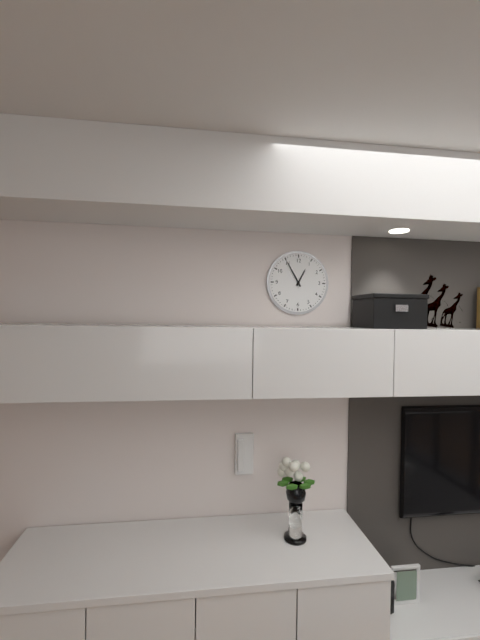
h=12 m=55
